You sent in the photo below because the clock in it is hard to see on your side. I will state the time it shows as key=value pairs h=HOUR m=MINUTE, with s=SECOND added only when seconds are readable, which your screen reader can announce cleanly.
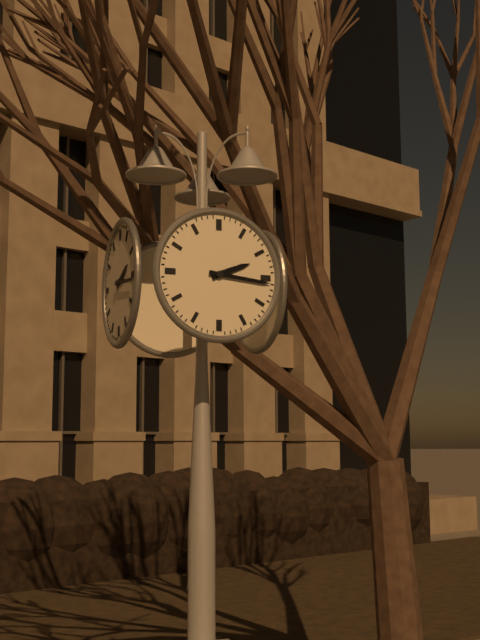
h=2 m=16
